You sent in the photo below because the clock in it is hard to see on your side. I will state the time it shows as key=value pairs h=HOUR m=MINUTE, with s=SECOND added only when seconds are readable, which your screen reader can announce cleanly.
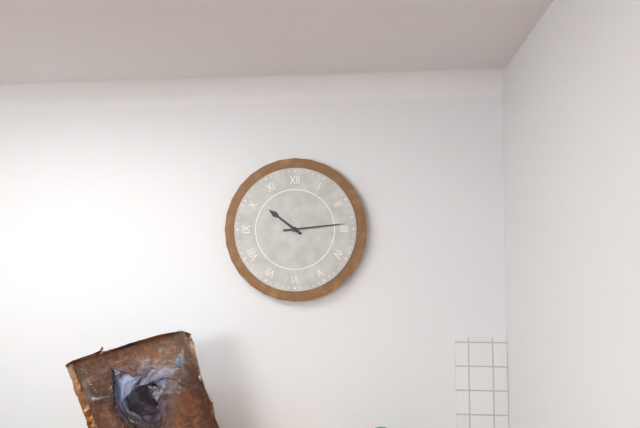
h=10 m=14
